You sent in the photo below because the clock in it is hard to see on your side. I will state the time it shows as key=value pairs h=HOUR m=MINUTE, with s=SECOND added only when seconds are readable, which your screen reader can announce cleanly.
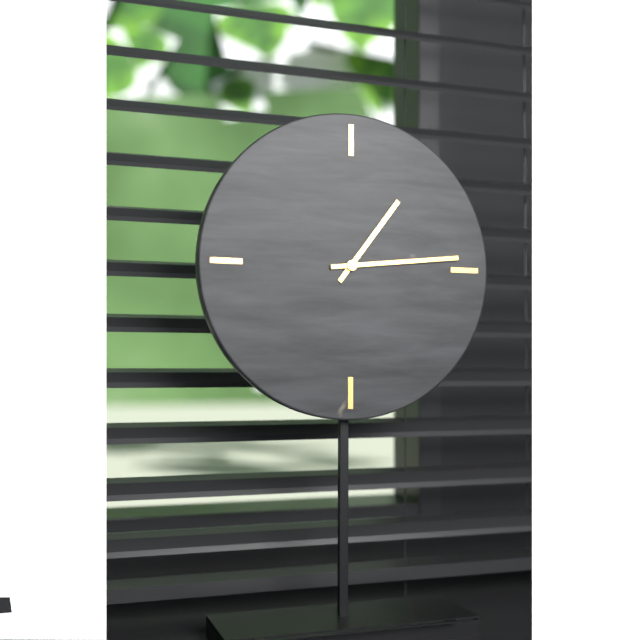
h=1 m=14
